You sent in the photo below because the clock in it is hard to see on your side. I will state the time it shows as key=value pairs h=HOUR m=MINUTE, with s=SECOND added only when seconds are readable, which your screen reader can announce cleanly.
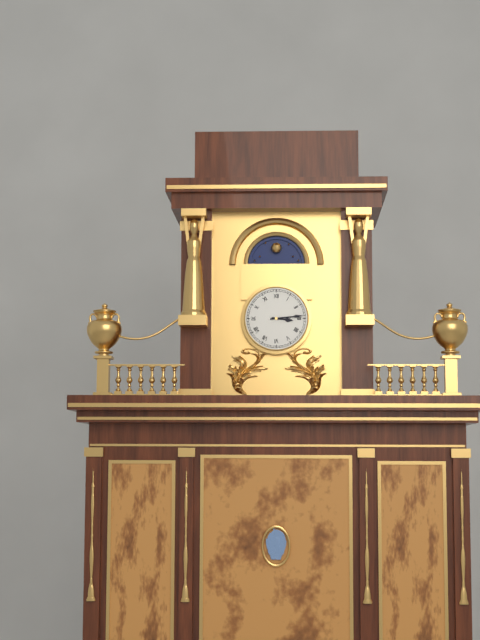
h=3 m=14
